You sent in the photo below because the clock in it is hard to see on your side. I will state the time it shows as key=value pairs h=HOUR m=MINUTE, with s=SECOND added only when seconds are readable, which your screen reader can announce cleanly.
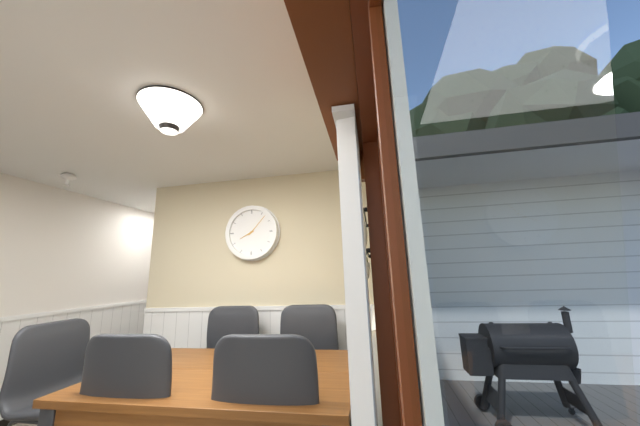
h=8 m=7
